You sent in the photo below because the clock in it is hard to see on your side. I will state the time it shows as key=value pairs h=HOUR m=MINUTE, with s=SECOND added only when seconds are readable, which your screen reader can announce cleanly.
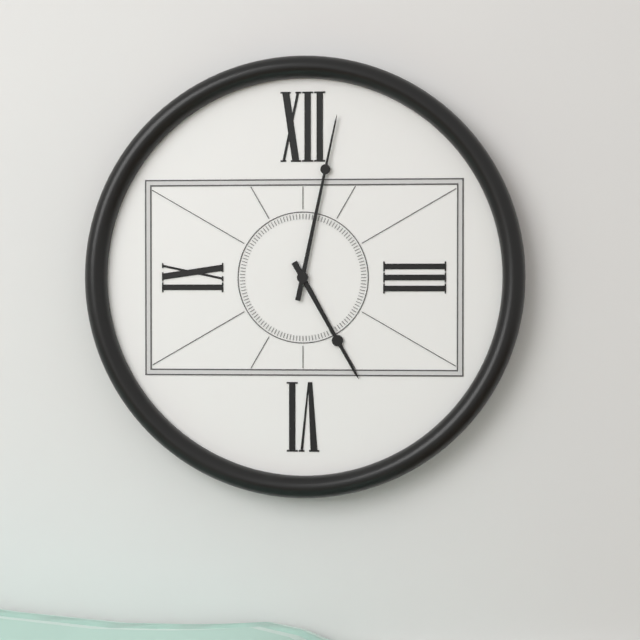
h=5 m=2
